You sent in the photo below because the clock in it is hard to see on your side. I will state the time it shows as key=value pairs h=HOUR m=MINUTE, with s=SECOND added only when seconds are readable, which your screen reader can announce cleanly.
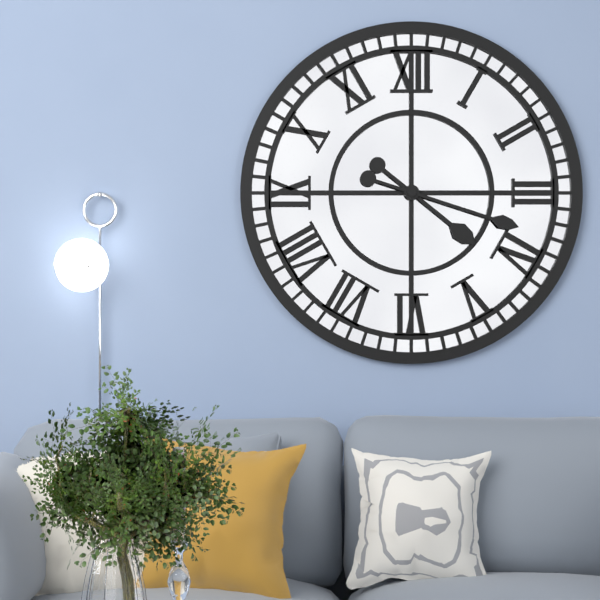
h=4 m=18
